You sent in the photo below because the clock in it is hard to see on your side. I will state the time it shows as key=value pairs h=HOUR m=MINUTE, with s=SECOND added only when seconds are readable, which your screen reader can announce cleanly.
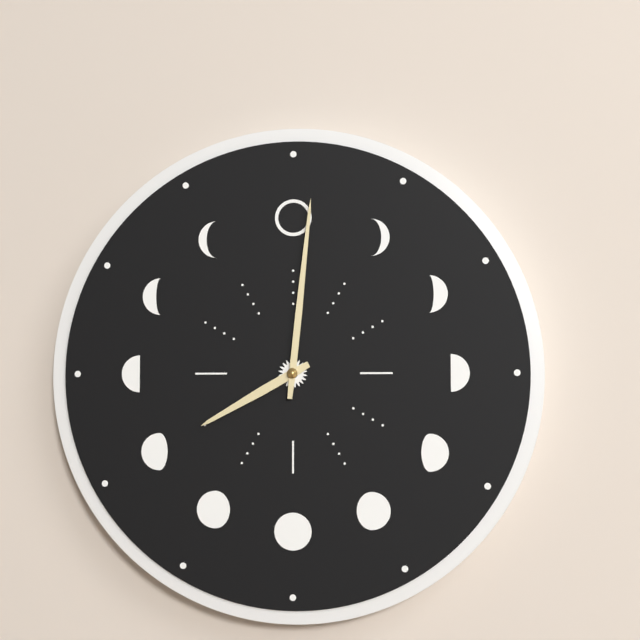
h=8 m=1
